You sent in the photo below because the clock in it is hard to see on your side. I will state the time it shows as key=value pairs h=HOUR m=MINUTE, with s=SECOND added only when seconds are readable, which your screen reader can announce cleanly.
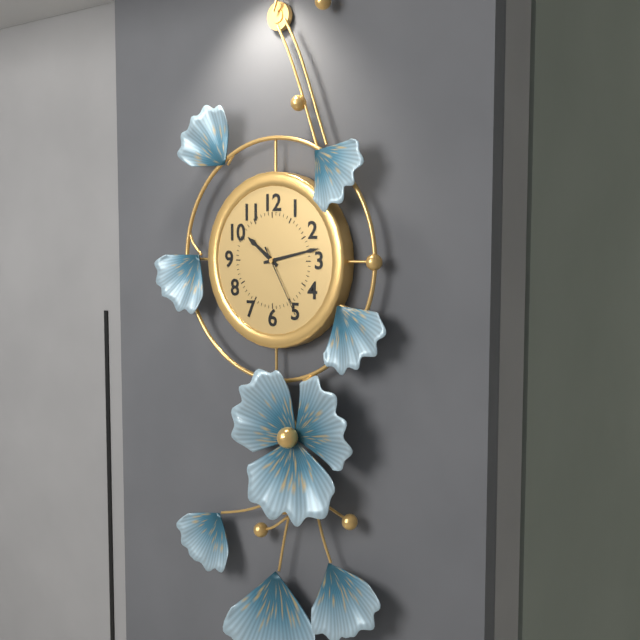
h=10 m=13 s=25
